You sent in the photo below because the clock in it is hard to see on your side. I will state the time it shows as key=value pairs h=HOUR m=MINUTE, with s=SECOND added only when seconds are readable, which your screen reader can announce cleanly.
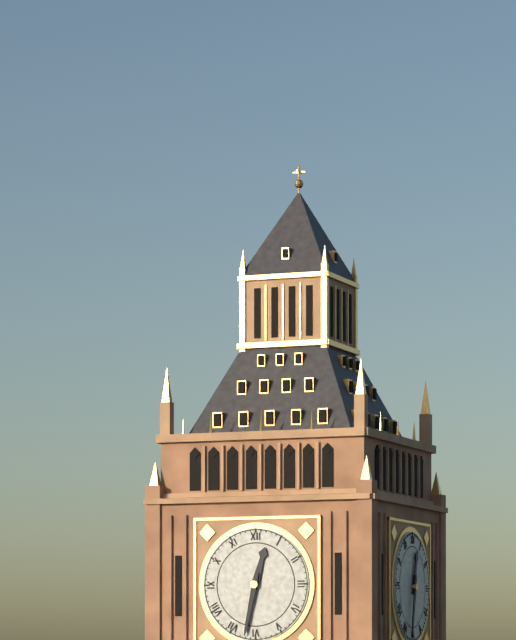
h=12 m=32
